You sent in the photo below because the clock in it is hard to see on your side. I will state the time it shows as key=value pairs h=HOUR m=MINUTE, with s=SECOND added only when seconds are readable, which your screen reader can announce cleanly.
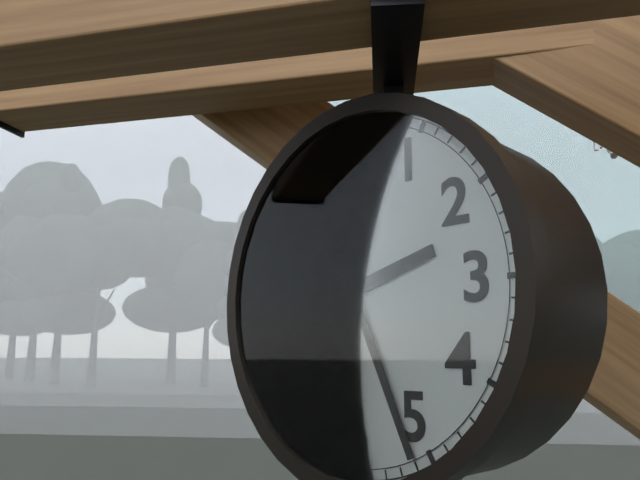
h=2 m=26
